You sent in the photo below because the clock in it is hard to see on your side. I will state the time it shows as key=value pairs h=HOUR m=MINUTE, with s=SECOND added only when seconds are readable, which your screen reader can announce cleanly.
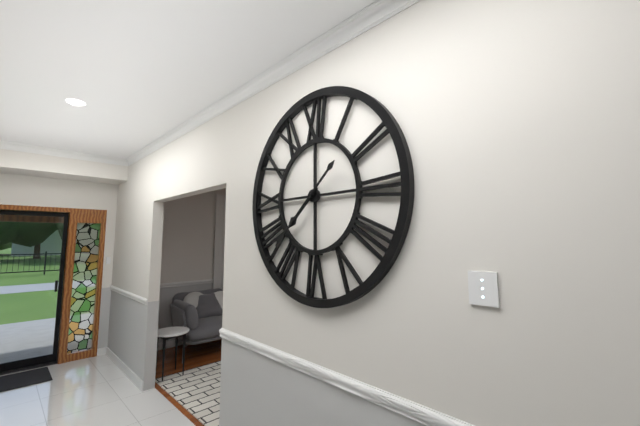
h=7 m=38
